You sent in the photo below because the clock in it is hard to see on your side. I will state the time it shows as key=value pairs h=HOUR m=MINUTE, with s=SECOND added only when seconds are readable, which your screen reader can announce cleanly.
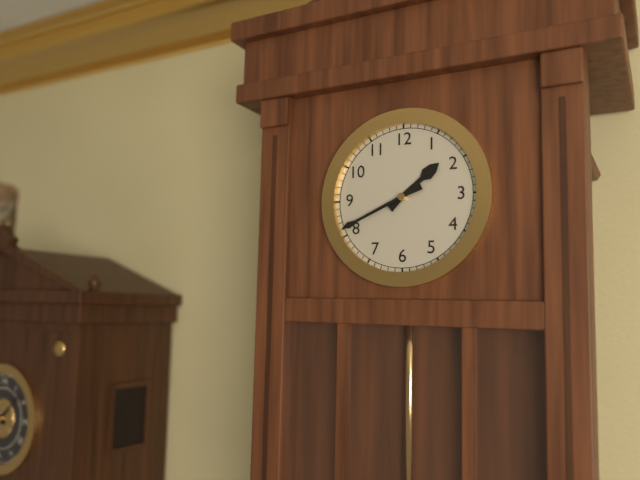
h=1 m=41
